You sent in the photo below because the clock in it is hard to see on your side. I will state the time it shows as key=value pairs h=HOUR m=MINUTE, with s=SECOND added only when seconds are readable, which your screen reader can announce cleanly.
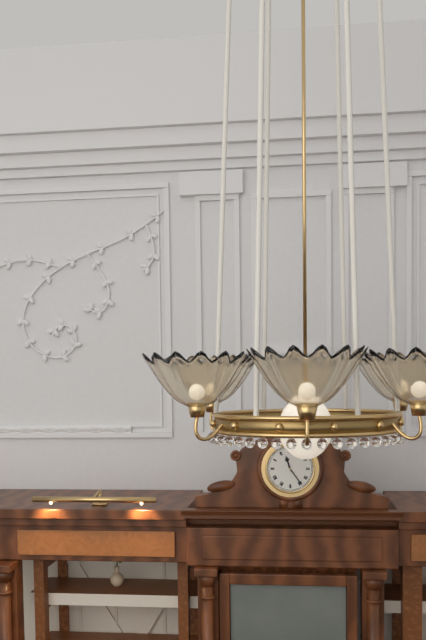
h=11 m=24
